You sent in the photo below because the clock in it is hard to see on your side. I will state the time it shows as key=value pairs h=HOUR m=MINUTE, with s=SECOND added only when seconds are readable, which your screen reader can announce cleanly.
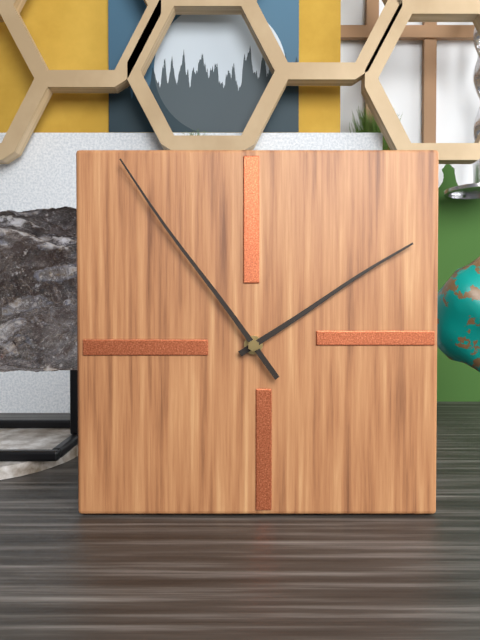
h=1 m=54
